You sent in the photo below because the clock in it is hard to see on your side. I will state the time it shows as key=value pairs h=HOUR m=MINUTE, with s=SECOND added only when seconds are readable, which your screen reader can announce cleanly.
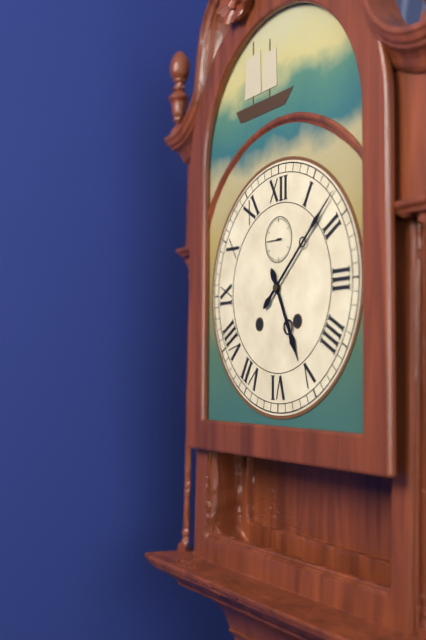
h=5 m=8
